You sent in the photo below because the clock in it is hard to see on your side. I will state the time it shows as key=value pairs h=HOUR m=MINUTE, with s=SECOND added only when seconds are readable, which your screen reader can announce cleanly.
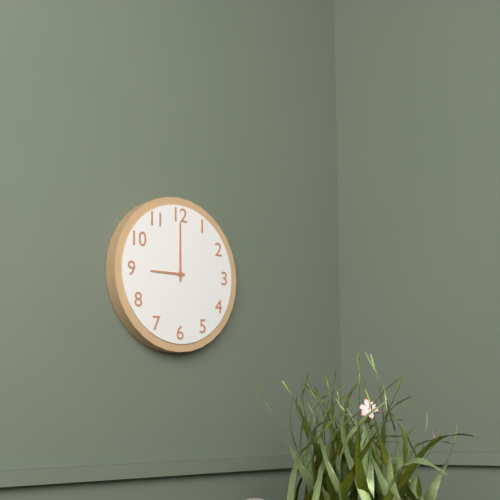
h=9 m=0
